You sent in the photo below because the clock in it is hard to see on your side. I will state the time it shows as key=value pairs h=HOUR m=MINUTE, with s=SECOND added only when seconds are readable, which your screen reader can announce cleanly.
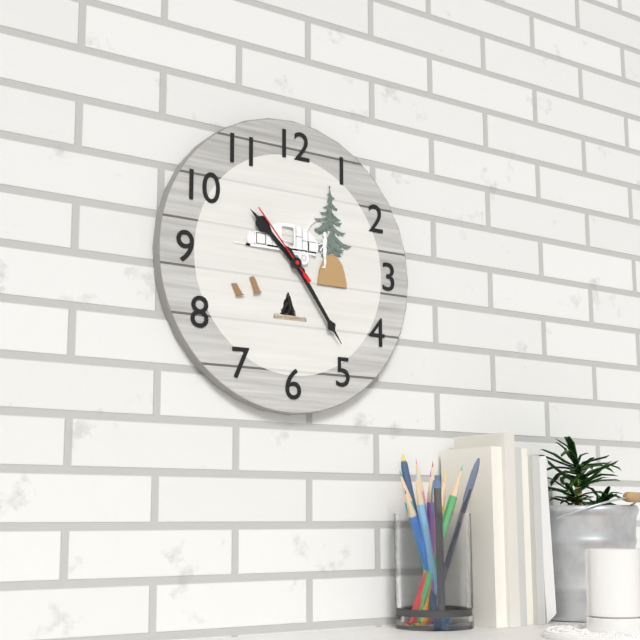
h=10 m=24 s=53
